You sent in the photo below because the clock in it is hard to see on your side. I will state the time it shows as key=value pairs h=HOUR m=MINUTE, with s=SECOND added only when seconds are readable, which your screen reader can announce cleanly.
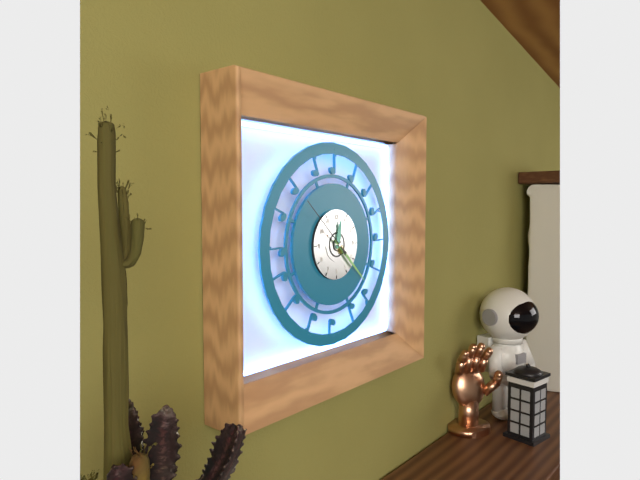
h=12 m=22 s=52
